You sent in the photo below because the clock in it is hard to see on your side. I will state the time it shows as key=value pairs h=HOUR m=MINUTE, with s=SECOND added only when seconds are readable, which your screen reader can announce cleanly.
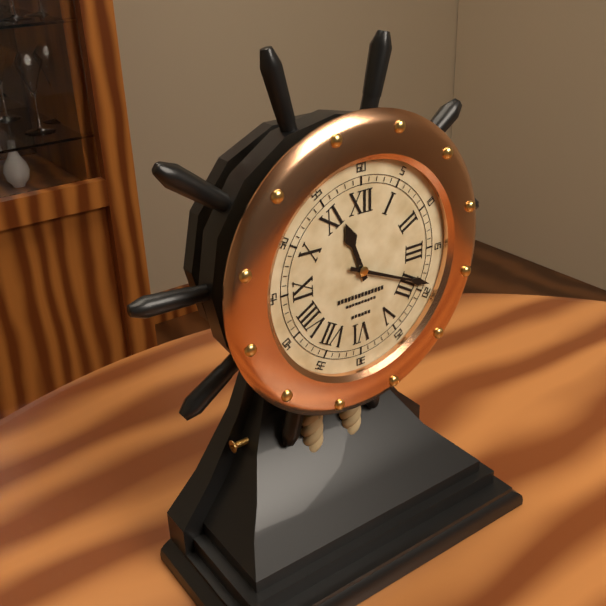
h=11 m=19
